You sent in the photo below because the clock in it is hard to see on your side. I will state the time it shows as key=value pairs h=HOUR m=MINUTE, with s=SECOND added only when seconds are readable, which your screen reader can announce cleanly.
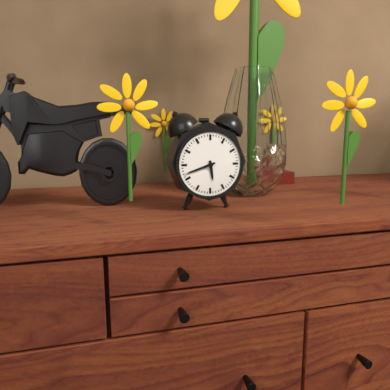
h=5 m=42
